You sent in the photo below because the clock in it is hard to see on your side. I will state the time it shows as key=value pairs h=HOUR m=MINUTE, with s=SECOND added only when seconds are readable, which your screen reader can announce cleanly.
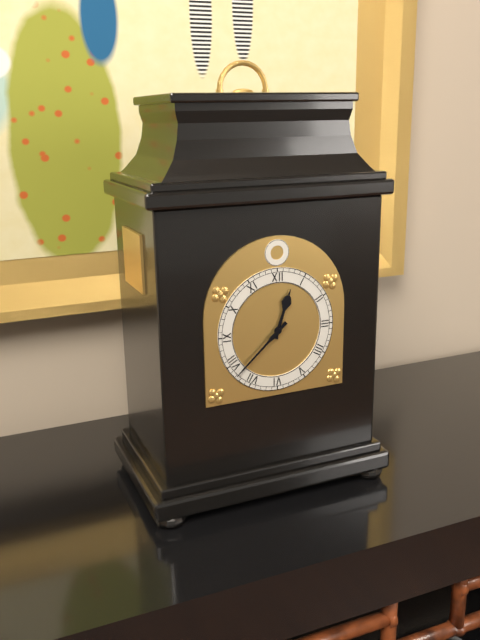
h=12 m=38
